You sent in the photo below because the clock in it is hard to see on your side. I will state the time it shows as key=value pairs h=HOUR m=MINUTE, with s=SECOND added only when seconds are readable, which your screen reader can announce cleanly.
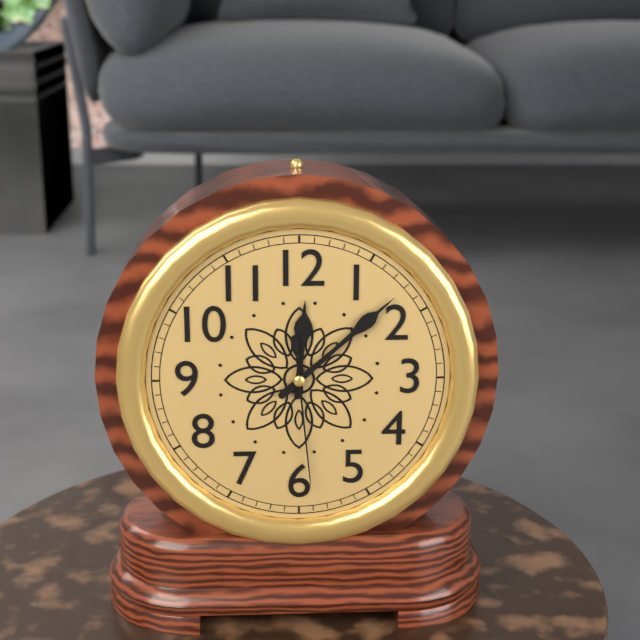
h=12 m=8 s=29
